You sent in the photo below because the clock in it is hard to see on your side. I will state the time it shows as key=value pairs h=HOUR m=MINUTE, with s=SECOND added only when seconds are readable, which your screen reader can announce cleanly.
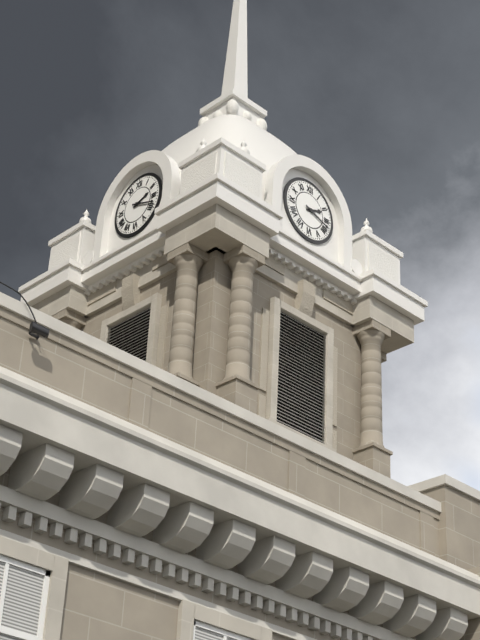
h=2 m=18
